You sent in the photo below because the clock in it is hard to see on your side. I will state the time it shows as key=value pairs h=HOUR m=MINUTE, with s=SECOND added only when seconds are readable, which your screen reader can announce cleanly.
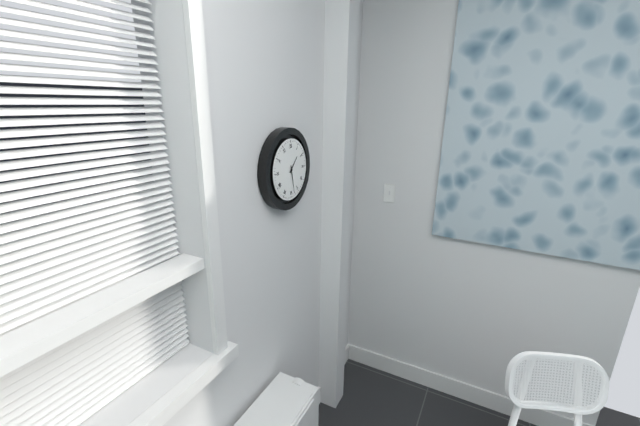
h=1 m=28
